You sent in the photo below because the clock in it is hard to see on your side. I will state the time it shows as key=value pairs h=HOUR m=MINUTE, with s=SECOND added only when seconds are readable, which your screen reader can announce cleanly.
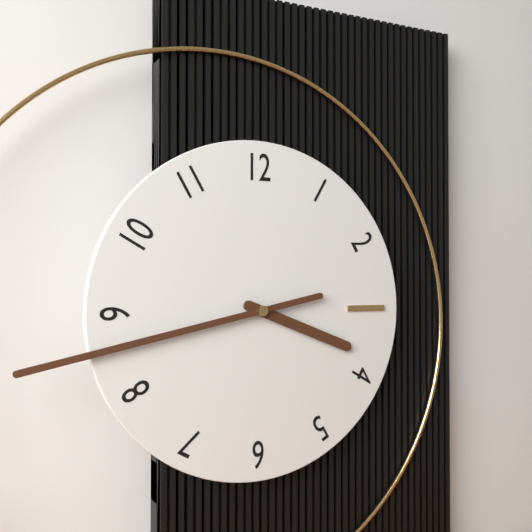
h=3 m=43
